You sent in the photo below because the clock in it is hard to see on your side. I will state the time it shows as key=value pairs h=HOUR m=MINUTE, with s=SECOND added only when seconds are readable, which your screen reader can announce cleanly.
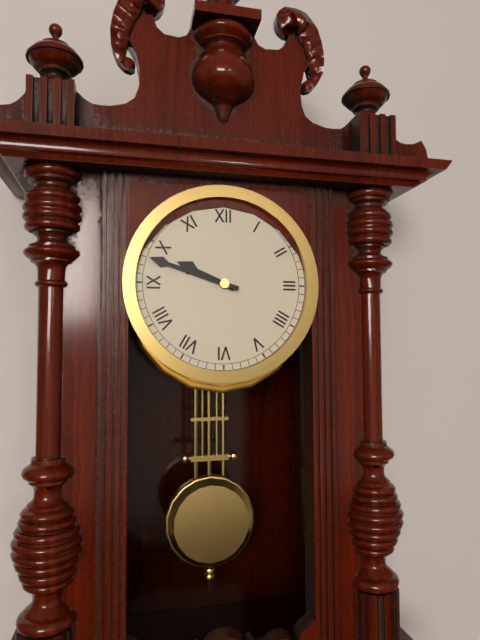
h=9 m=48
